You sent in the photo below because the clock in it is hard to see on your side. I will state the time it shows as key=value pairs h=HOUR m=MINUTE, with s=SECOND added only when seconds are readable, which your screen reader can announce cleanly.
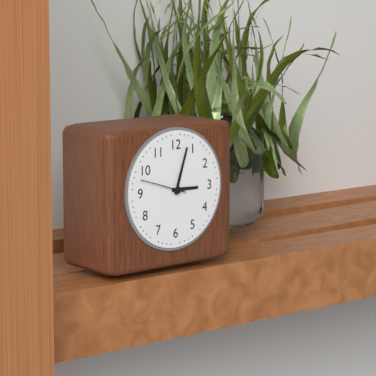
h=3 m=3
